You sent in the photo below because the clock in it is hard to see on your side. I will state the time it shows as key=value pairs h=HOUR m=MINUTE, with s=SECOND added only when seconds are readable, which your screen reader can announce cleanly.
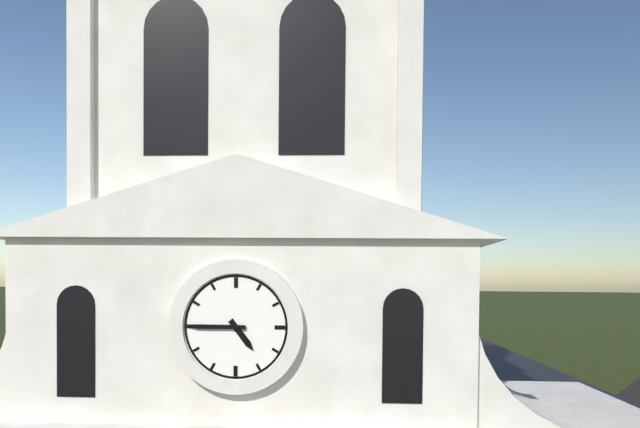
h=4 m=45
